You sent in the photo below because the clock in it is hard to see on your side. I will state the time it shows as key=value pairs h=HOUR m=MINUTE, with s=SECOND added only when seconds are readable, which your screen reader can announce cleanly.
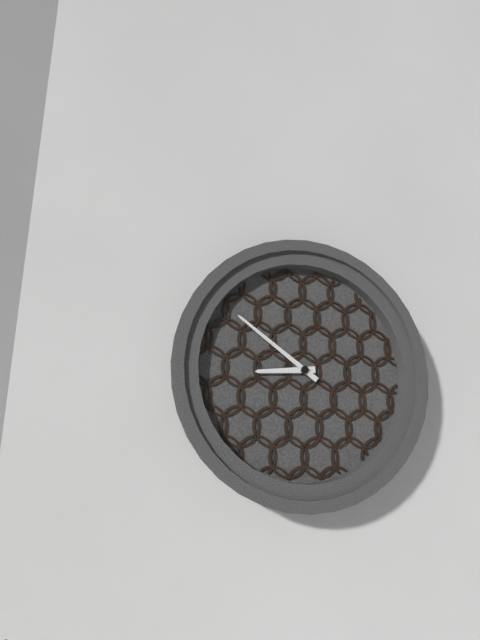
h=8 m=51
